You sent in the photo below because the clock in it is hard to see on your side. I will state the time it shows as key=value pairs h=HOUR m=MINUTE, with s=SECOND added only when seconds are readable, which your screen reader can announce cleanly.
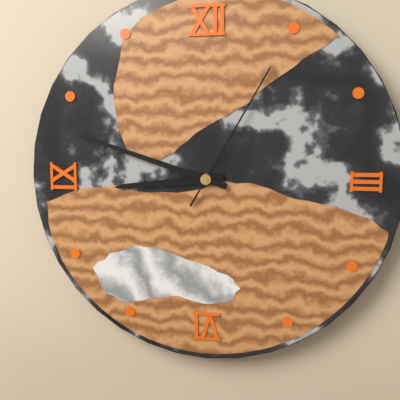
h=8 m=48 s=5
